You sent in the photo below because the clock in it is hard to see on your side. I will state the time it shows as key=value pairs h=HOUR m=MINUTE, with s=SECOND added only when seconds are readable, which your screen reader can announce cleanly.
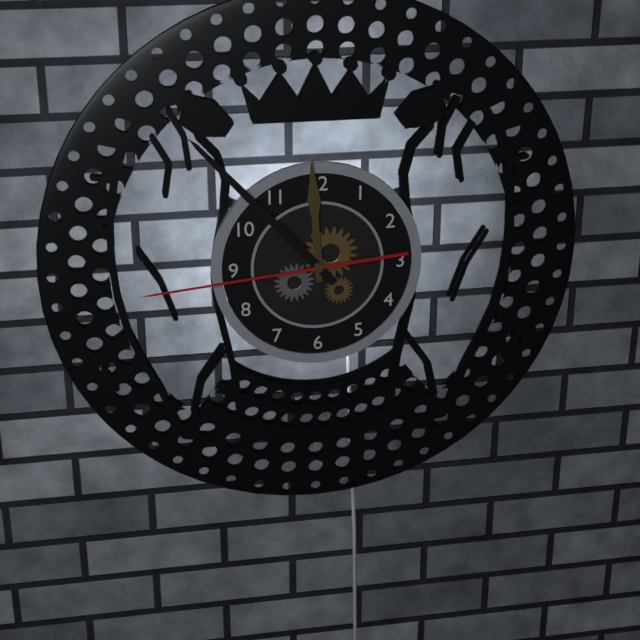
h=11 m=53 s=44
